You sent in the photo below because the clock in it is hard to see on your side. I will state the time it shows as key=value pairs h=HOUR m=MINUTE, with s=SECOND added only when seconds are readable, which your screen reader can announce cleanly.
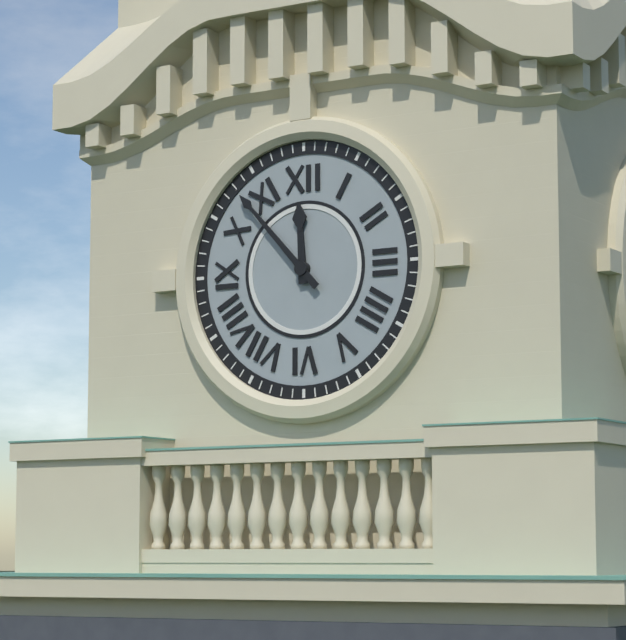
h=11 m=53
